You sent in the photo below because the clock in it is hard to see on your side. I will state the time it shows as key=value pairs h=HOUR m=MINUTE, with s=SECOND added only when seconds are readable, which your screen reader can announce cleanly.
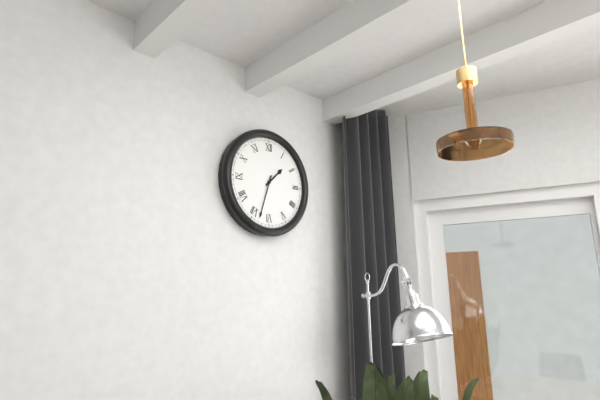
h=1 m=33
